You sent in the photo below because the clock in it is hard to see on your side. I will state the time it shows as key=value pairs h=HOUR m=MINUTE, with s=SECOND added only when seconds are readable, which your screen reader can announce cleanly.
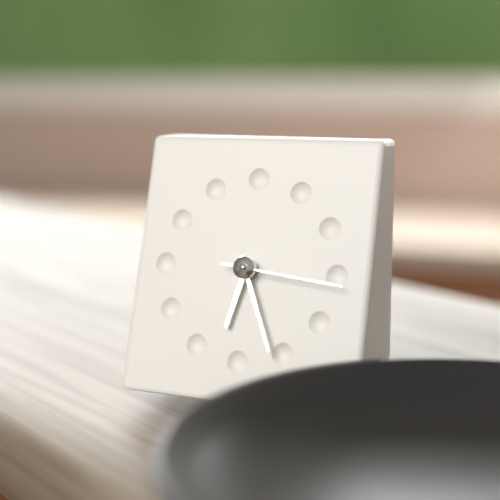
h=6 m=26 s=16
